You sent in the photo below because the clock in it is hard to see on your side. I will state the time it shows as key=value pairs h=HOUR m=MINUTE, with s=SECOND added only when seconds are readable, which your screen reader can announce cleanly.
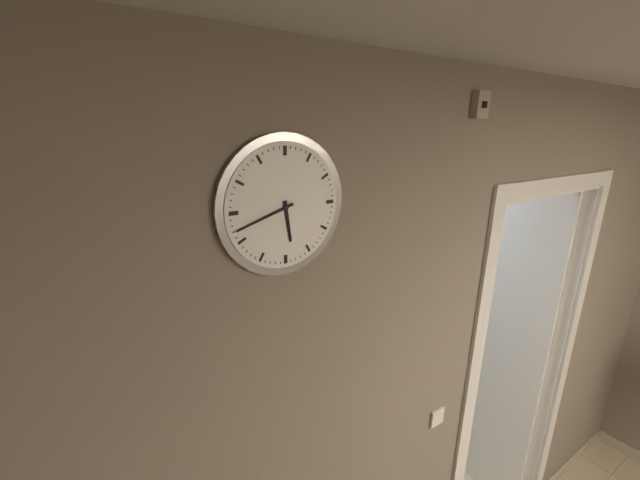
h=5 m=42
